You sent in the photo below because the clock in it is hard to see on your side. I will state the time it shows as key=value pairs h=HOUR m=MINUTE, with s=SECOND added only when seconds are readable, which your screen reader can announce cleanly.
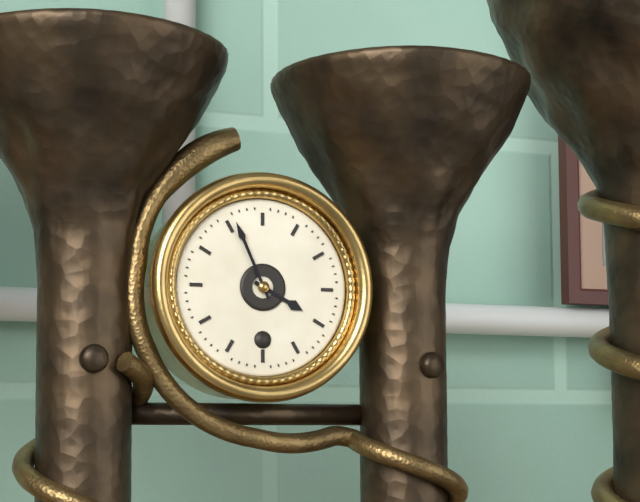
h=3 m=56
